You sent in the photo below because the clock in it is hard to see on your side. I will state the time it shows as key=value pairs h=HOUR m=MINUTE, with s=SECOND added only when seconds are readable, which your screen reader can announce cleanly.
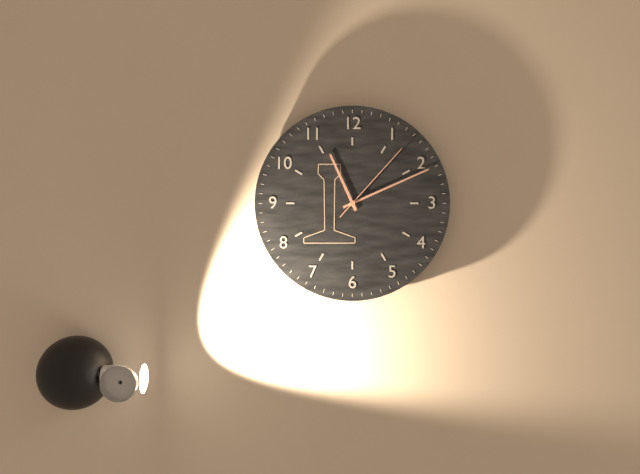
h=11 m=11 s=7
